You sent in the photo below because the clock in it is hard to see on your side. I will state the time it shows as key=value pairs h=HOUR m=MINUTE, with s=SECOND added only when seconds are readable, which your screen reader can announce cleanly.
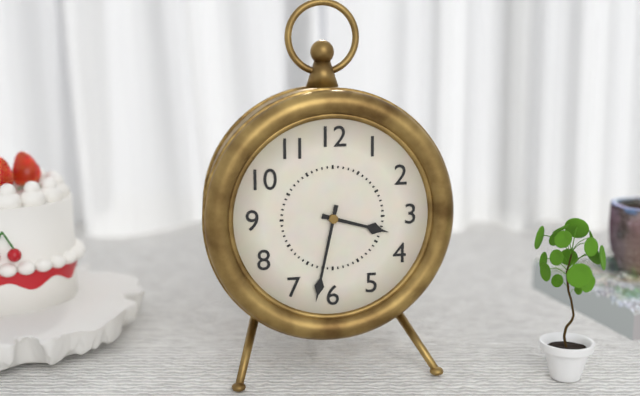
h=3 m=32
